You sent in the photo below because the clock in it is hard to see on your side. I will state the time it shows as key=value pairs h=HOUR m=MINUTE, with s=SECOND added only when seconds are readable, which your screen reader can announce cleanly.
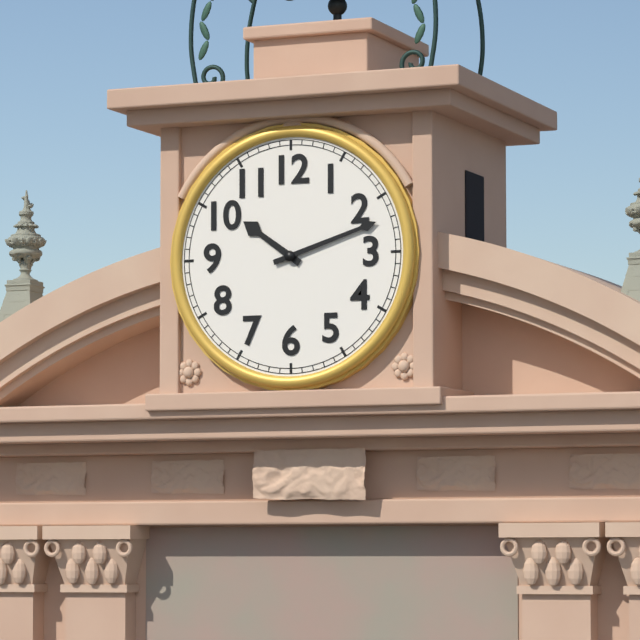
h=10 m=12
